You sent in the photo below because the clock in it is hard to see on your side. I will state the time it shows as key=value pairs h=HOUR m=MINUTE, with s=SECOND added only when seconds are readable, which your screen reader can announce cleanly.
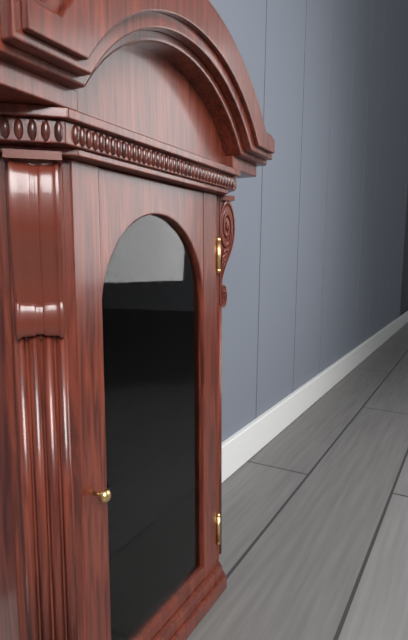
h=9 m=39
